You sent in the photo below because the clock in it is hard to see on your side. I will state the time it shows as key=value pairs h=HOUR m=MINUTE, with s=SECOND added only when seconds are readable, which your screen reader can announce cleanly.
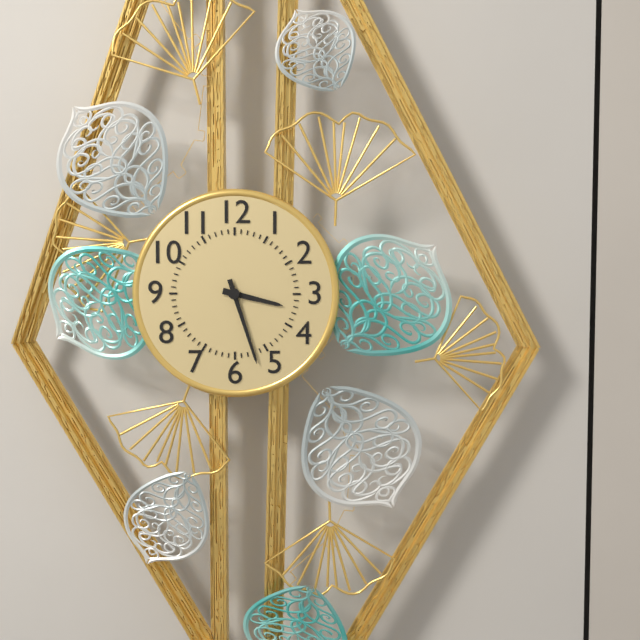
h=3 m=27
